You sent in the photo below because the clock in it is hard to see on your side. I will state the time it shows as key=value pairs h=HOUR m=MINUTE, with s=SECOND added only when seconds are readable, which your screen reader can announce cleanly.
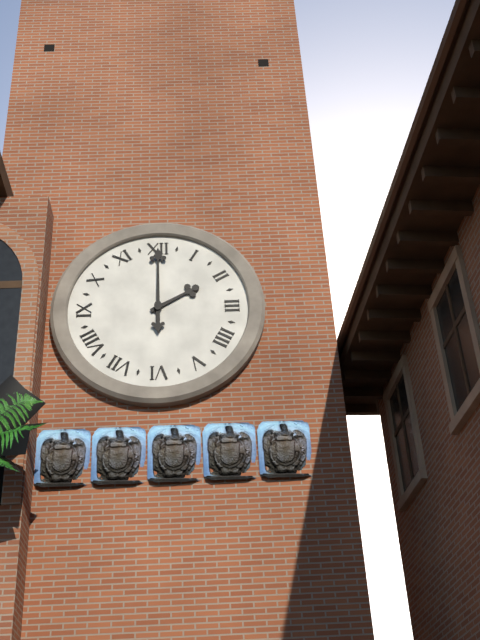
h=2 m=0
